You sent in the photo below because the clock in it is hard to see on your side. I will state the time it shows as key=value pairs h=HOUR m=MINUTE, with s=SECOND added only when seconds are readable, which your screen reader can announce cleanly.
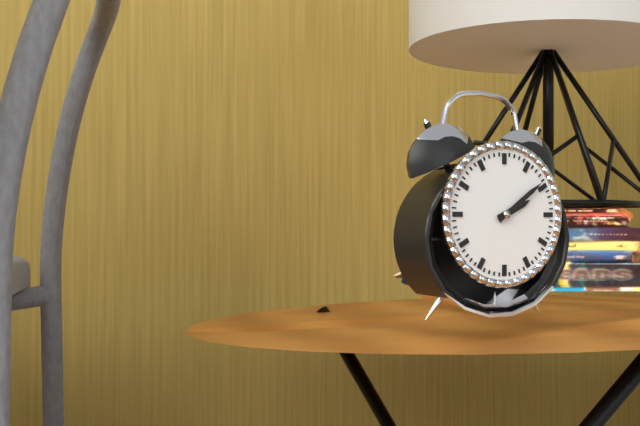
h=2 m=9
